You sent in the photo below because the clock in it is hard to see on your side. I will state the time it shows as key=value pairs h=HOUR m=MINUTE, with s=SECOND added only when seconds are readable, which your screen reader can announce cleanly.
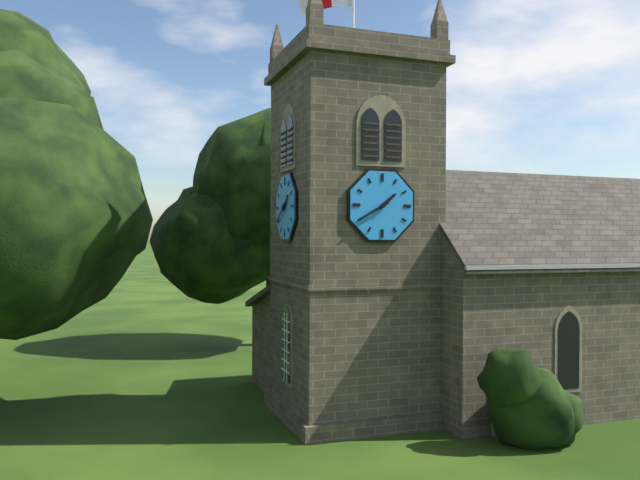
h=1 m=40
